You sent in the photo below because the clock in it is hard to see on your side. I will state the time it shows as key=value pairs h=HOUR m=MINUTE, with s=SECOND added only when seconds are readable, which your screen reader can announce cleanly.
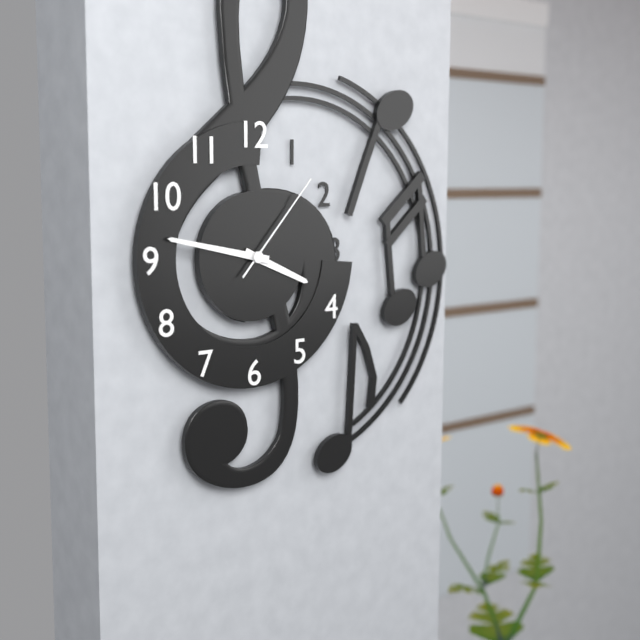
h=3 m=47 s=7
